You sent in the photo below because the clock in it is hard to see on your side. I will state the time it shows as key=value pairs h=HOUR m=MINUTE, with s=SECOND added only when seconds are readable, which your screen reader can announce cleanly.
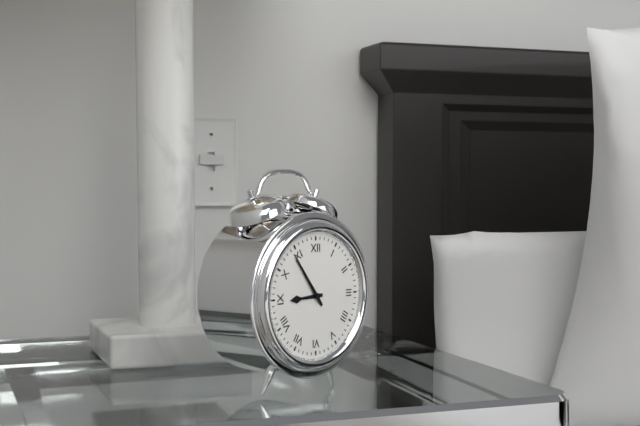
h=8 m=54
